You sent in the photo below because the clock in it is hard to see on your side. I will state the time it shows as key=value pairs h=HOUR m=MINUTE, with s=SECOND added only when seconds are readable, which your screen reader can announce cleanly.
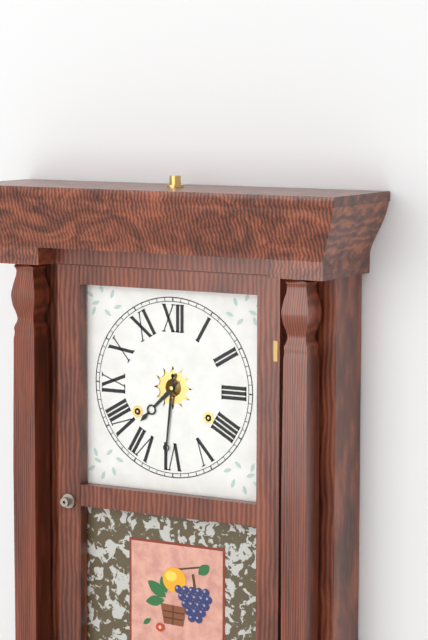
h=7 m=31
